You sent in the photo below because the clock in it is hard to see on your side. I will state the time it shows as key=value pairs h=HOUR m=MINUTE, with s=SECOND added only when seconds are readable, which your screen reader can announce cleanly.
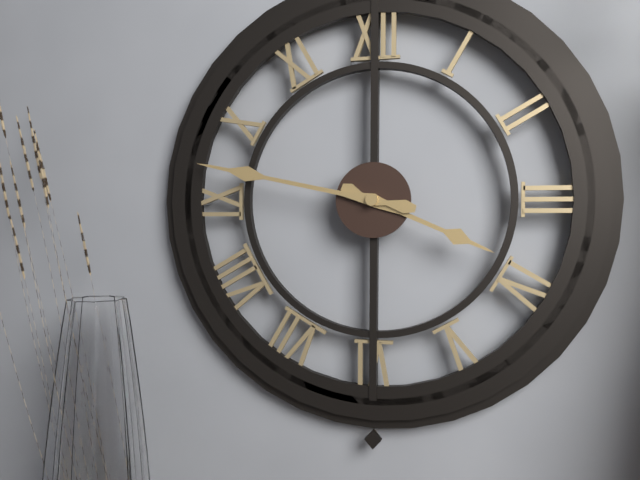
h=3 m=47
